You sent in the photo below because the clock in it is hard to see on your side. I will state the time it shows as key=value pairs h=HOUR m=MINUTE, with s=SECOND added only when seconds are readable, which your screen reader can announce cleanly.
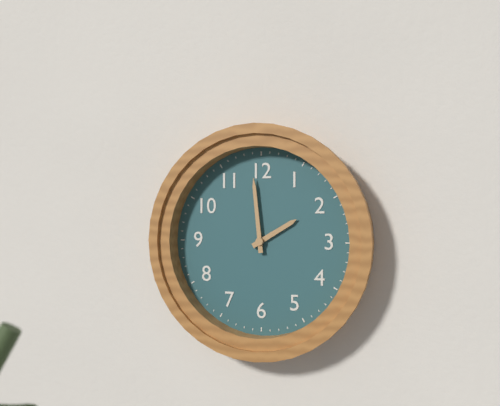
h=1 m=59
